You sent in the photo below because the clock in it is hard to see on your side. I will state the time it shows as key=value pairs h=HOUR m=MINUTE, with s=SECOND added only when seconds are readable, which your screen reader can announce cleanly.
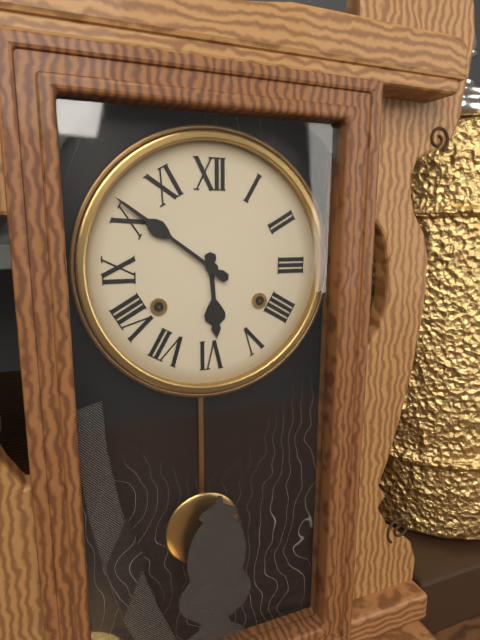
h=5 m=51
